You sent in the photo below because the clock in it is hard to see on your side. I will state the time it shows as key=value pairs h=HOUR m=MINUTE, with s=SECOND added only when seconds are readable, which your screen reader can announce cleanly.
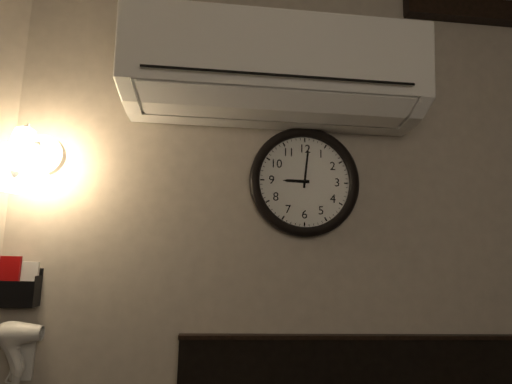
h=9 m=1
